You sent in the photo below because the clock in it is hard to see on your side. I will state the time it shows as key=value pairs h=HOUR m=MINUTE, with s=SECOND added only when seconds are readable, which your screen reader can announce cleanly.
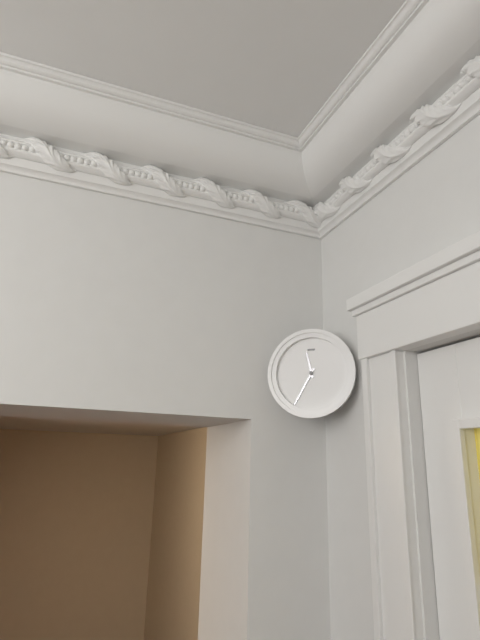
h=11 m=35
